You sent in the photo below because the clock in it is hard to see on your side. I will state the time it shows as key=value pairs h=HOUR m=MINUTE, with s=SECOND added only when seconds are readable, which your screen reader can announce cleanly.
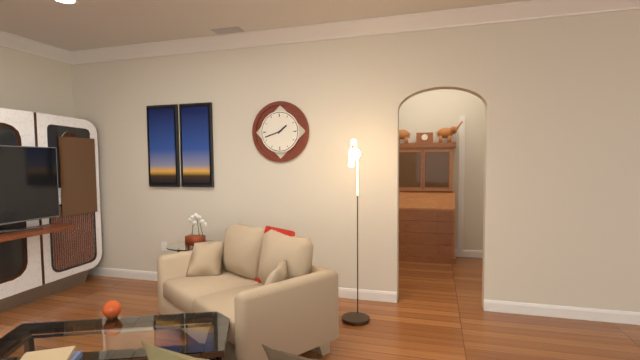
h=1 m=42
